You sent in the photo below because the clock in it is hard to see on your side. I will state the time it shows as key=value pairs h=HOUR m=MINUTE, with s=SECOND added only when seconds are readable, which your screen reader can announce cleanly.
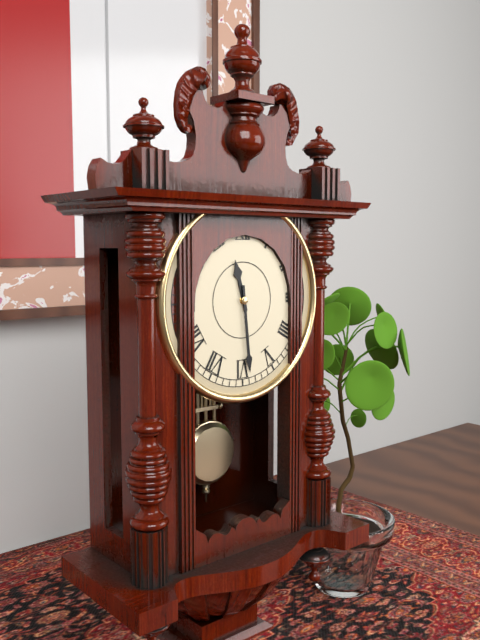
h=11 m=29
